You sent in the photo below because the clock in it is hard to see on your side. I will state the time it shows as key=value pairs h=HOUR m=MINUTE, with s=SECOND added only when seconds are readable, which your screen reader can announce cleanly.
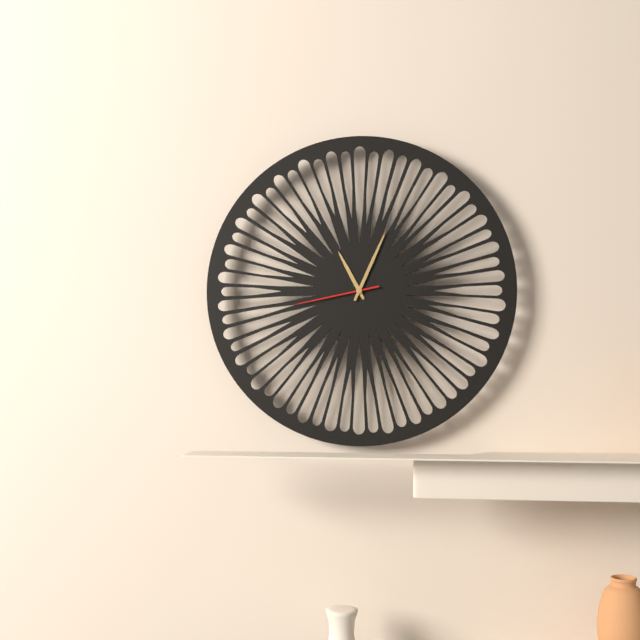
h=11 m=4 s=43
